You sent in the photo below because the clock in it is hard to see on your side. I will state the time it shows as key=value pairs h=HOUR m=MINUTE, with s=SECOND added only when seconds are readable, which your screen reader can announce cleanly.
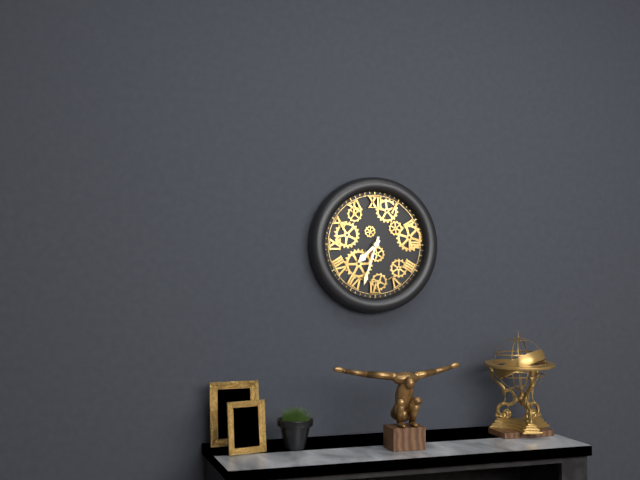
h=7 m=33
